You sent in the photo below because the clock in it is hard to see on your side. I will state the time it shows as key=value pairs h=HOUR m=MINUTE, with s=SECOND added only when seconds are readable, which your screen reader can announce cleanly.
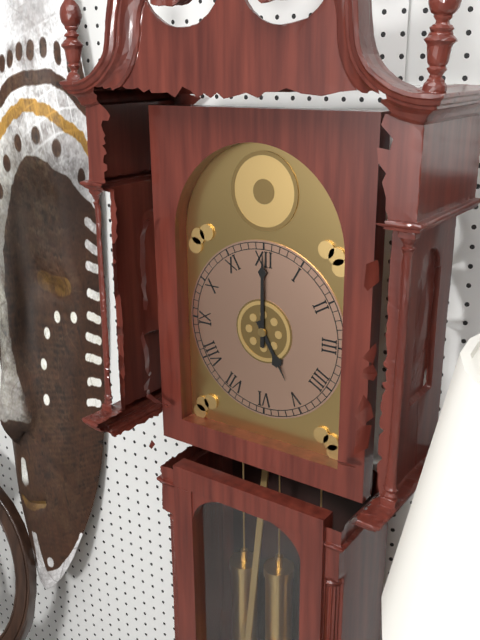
h=5 m=0
